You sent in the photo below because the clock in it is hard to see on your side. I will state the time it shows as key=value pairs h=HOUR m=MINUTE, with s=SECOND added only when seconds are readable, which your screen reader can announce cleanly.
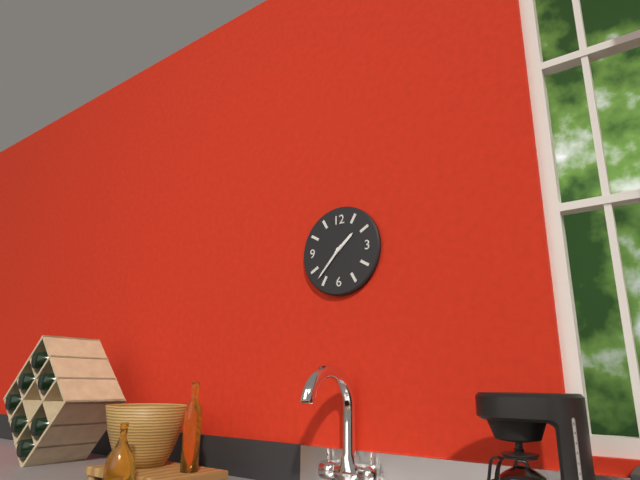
h=1 m=37
